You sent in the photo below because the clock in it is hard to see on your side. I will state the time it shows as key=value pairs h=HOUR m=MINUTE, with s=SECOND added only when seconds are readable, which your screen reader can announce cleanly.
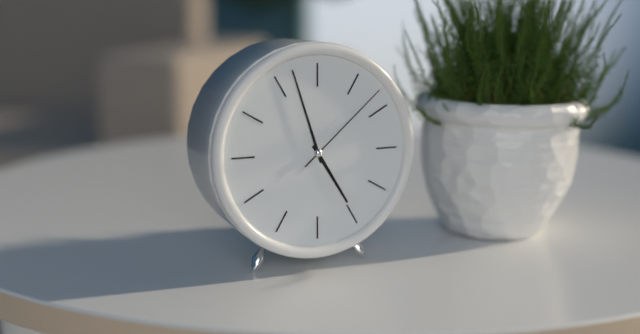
h=4 m=57 s=8
